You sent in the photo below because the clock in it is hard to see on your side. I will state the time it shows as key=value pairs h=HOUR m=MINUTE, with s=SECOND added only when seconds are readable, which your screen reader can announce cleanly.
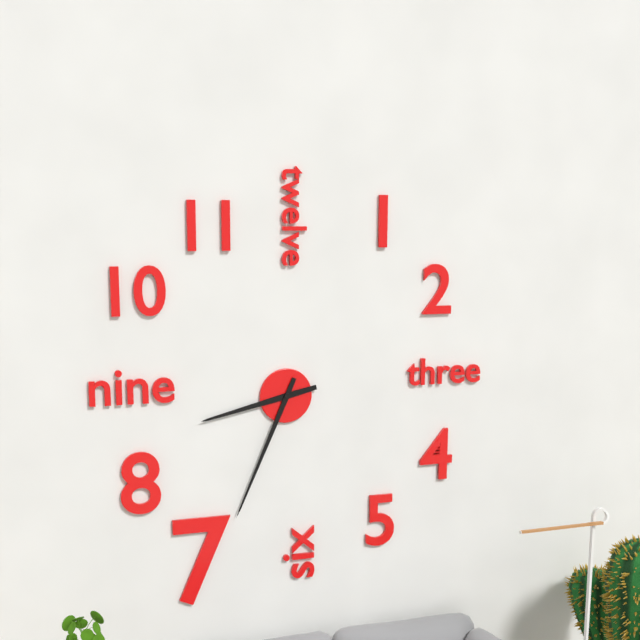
h=8 m=34
